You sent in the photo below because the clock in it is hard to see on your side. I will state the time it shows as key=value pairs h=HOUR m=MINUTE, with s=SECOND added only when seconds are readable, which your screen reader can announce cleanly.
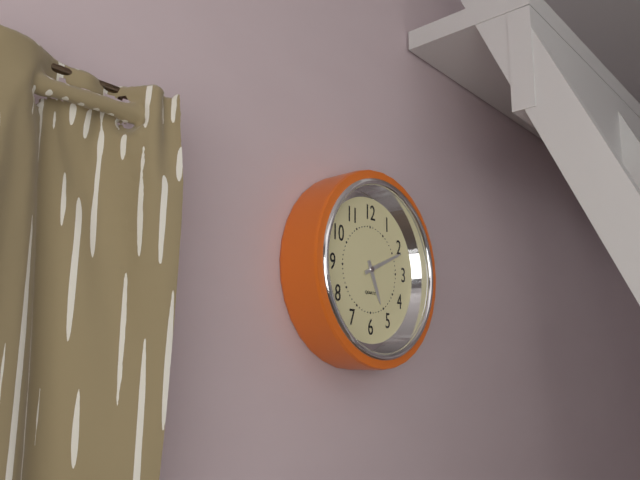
h=5 m=11
